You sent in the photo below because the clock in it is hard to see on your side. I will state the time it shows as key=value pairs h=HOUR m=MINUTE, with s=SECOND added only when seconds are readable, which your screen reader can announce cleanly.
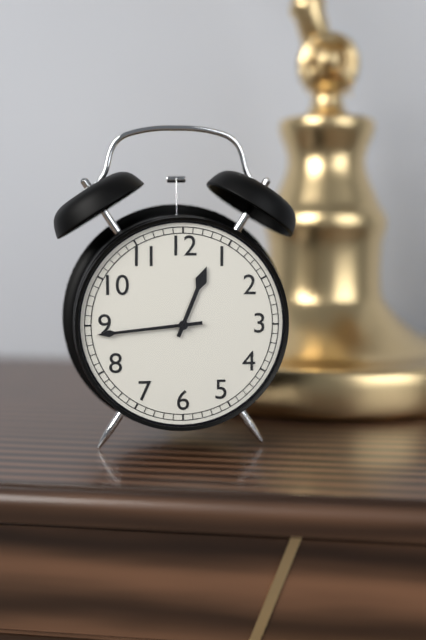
h=12 m=44
